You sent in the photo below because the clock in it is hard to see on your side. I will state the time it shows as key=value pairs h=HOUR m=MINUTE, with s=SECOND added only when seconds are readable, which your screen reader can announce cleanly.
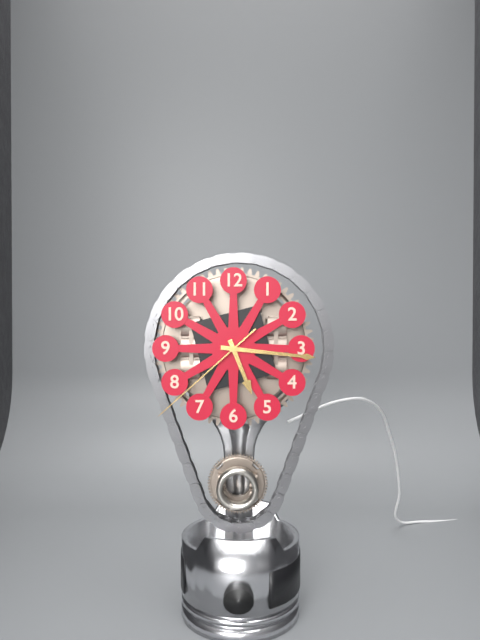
h=5 m=16 s=38
